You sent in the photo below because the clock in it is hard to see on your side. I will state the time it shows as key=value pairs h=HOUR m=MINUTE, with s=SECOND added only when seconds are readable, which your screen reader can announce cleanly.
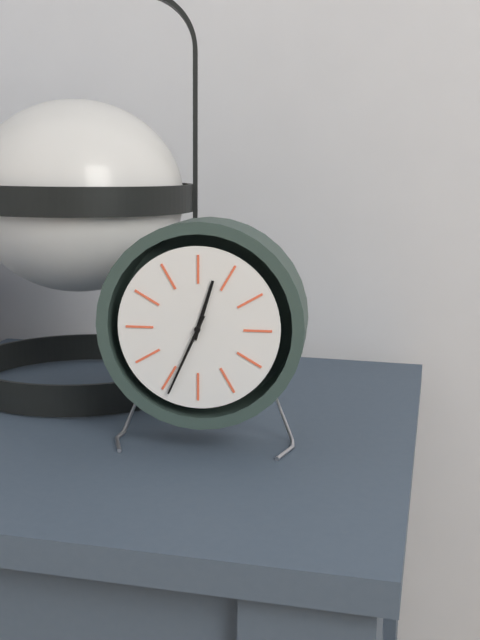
h=12 m=34
